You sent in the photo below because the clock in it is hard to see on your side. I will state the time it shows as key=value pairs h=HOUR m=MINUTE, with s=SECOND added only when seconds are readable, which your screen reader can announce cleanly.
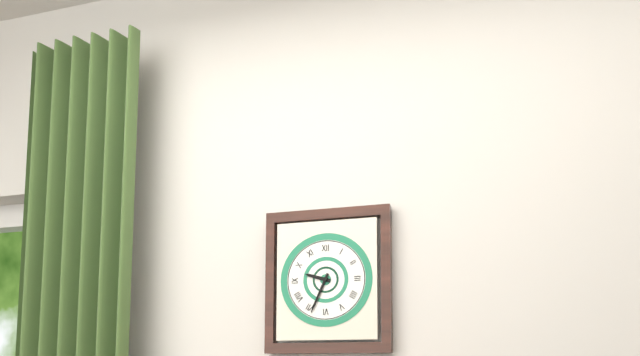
h=9 m=34
